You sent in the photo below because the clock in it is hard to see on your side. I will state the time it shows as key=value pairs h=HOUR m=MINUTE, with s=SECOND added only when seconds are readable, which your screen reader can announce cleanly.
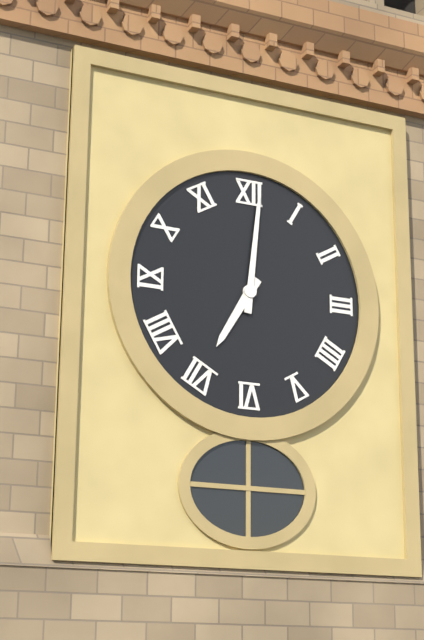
h=7 m=1
